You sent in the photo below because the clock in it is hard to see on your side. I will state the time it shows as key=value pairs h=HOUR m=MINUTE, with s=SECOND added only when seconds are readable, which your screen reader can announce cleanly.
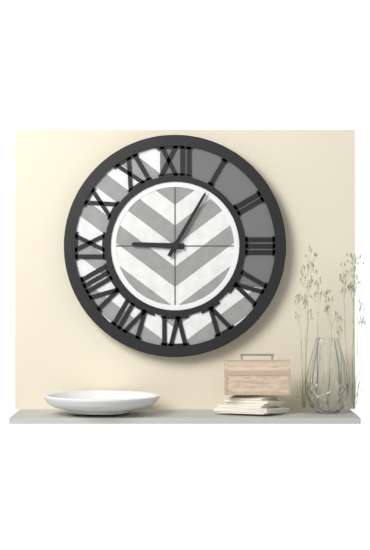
h=9 m=5
